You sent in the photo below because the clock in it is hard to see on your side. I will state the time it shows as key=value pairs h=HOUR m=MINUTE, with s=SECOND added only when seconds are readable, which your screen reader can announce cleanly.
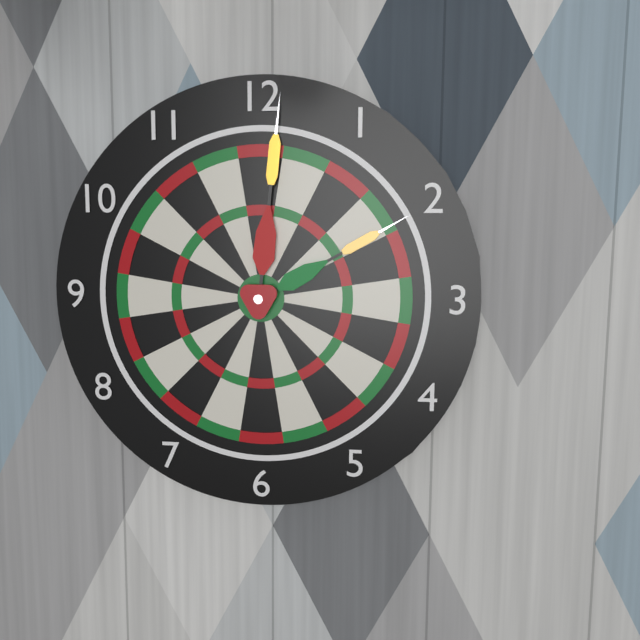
h=2 m=1
